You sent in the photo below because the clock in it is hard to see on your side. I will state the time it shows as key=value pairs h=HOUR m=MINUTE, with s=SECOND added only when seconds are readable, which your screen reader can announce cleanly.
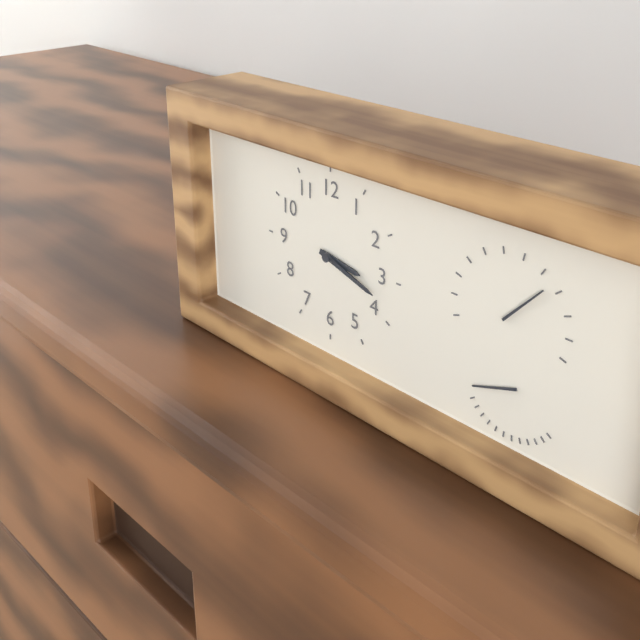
h=3 m=18
